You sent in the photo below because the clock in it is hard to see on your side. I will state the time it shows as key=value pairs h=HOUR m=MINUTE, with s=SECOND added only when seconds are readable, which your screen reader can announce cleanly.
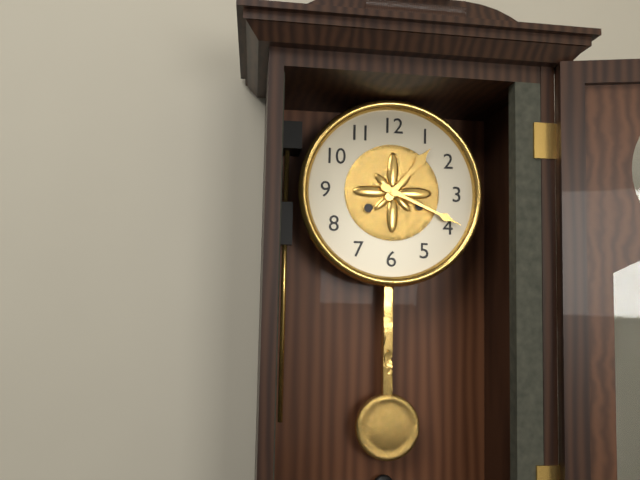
h=1 m=19
